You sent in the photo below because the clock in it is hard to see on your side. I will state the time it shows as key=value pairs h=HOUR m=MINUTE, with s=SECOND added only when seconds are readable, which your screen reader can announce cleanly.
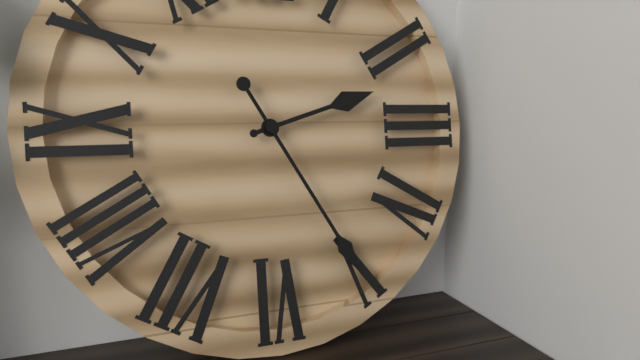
h=2 m=25
